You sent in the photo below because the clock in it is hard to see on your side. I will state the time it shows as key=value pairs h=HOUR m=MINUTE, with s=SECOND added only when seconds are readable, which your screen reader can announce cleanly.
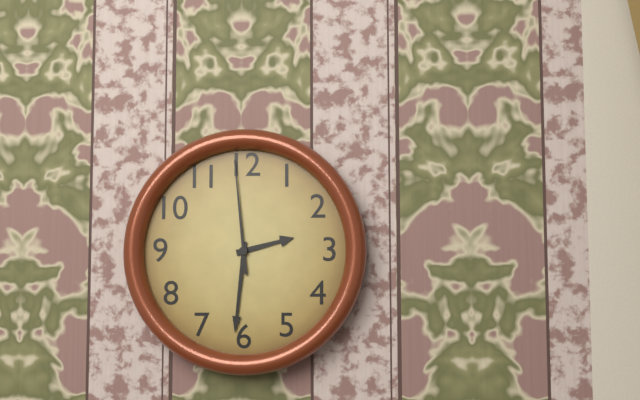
h=2 m=31 s=59
